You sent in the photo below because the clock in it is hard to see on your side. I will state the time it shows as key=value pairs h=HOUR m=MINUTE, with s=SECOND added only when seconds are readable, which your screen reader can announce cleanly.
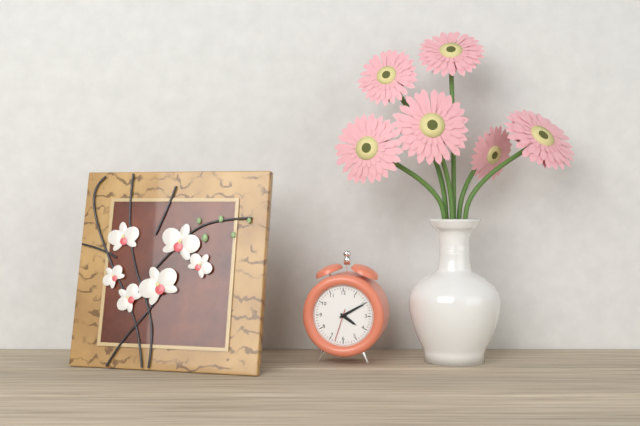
h=4 m=10
